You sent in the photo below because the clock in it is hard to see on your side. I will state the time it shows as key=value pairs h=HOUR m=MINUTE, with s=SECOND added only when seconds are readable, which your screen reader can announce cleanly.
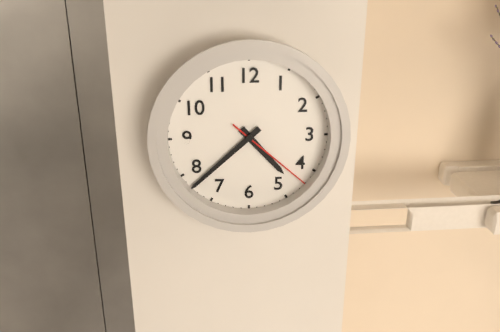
h=4 m=38 s=22
